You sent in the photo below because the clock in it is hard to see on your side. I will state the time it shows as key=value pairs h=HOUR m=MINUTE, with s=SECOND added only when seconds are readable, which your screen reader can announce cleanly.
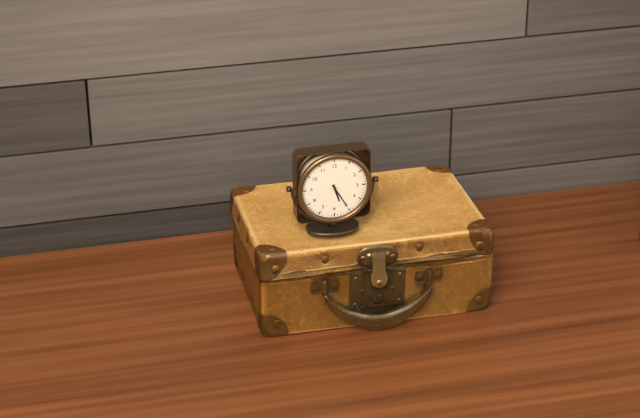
h=5 m=25
